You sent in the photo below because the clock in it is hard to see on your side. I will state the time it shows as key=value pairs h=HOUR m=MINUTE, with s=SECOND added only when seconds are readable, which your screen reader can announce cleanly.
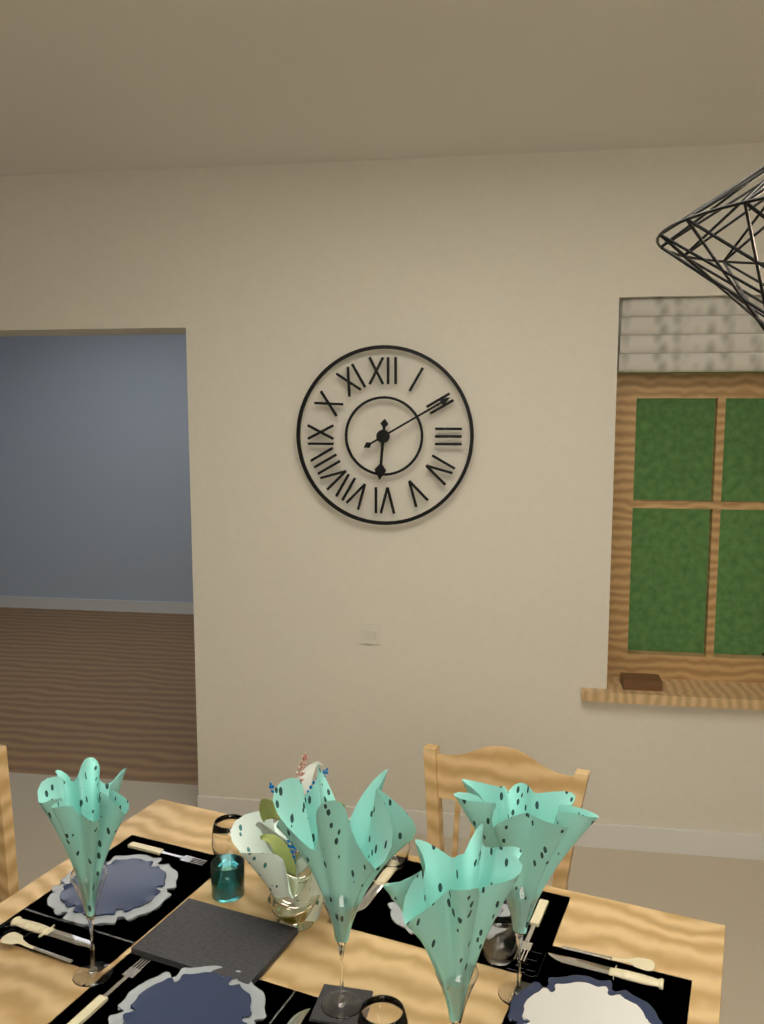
h=6 m=10
